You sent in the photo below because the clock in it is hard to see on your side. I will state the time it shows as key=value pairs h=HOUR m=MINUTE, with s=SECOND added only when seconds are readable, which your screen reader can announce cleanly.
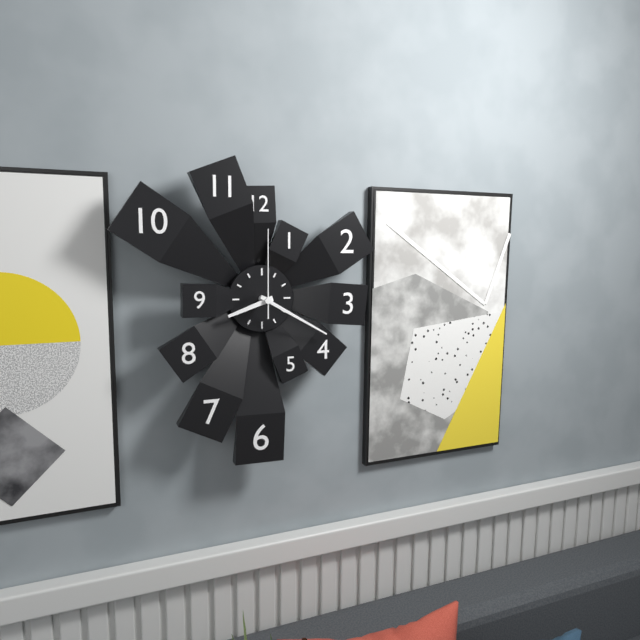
h=8 m=20 s=0
